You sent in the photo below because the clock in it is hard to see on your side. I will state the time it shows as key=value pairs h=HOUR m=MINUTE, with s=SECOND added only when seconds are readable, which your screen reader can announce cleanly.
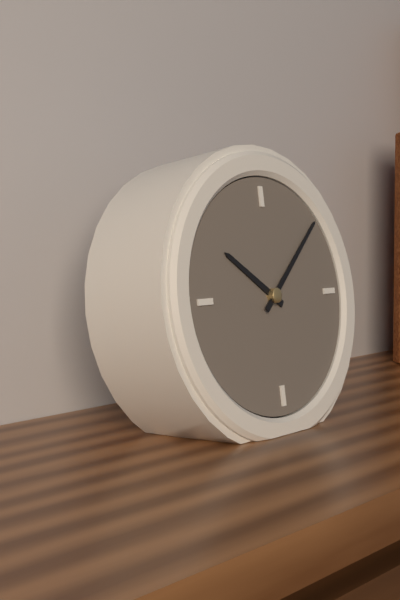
h=10 m=8
